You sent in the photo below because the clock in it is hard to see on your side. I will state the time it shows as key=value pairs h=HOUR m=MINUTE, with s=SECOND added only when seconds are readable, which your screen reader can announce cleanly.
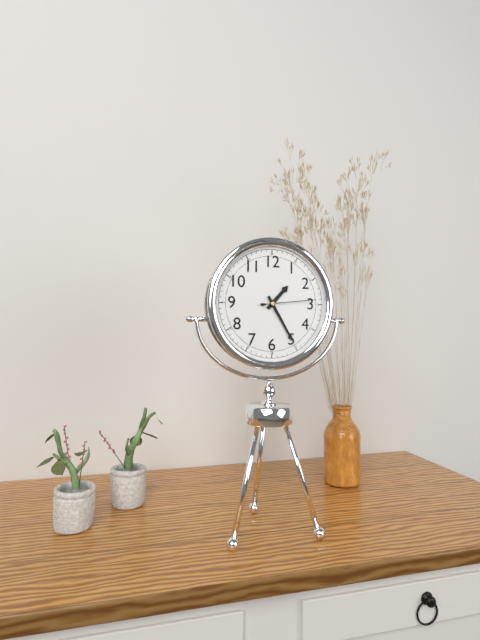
h=1 m=25 s=14
